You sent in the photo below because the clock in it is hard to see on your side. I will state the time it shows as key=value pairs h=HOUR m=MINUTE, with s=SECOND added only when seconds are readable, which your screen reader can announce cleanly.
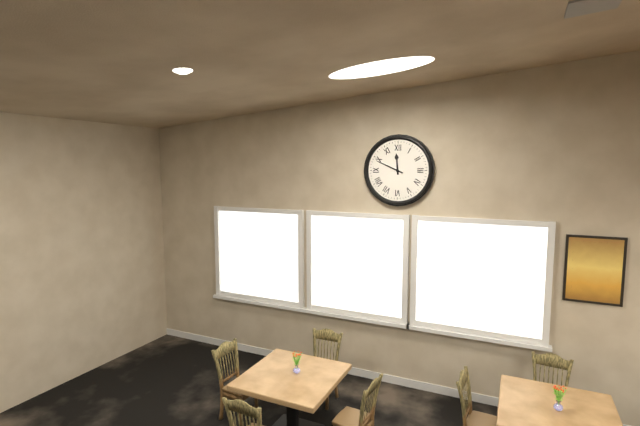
h=11 m=49
